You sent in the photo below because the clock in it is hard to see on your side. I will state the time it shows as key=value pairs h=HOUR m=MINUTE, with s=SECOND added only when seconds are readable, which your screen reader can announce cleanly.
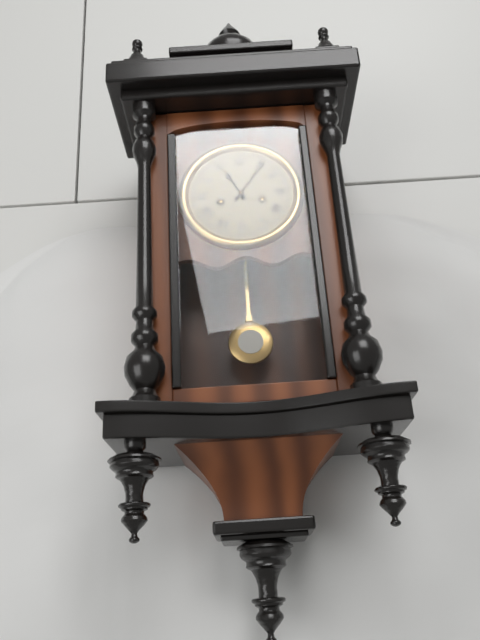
h=11 m=6
